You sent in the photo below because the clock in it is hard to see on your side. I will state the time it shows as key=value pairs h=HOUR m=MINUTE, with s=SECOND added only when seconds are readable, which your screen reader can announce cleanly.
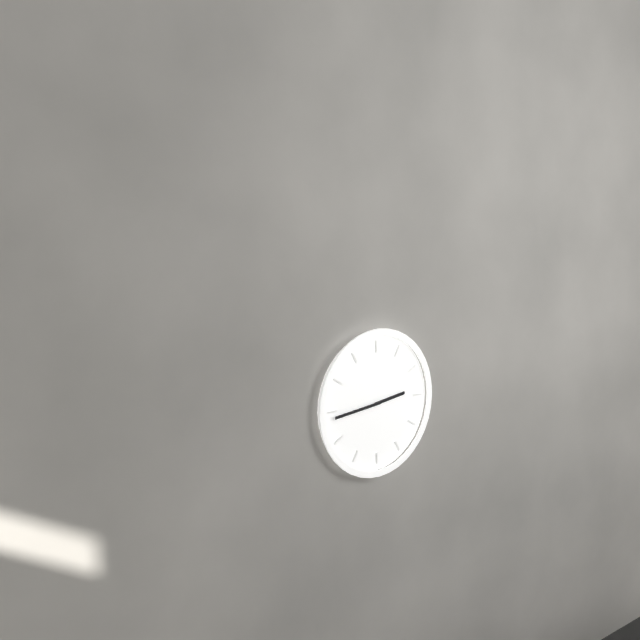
h=2 m=44
